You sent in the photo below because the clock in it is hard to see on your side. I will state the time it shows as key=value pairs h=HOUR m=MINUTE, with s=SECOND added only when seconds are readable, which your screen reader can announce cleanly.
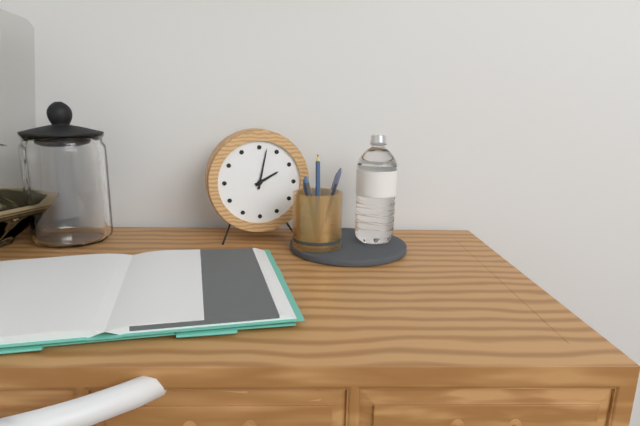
h=2 m=2
